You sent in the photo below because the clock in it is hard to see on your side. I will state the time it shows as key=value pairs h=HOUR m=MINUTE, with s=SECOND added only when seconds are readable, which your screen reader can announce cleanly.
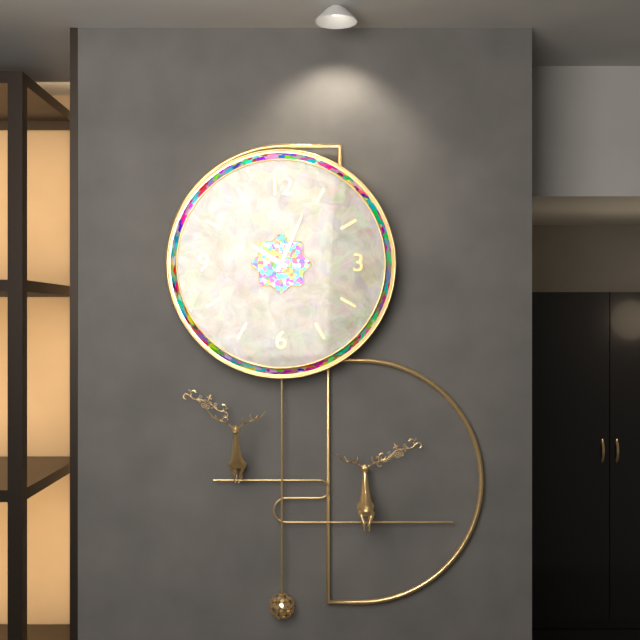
h=10 m=4
